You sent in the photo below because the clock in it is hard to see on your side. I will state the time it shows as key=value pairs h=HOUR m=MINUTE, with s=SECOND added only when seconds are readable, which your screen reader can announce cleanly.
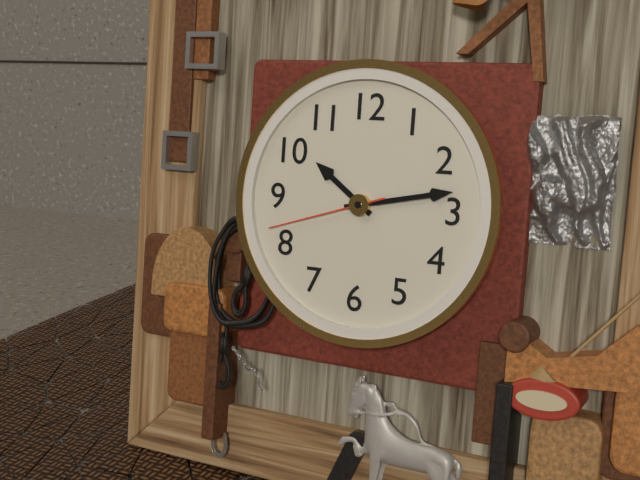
h=10 m=13 s=42
